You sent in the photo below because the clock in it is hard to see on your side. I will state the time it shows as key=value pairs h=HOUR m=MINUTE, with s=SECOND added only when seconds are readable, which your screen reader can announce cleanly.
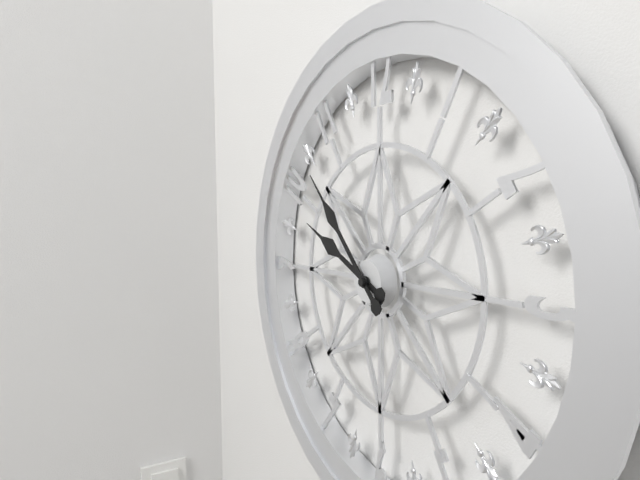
h=9 m=53
